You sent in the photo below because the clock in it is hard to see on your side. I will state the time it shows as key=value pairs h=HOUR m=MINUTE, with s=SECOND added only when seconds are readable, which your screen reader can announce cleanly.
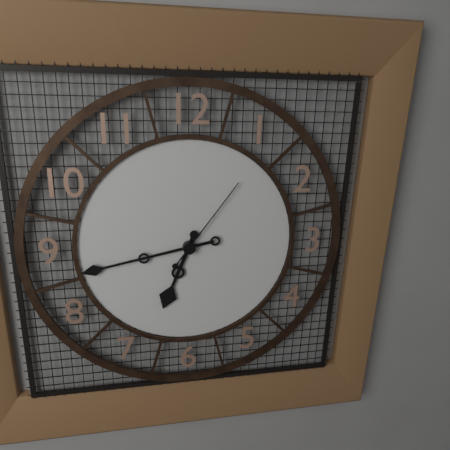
h=6 m=43 s=6
